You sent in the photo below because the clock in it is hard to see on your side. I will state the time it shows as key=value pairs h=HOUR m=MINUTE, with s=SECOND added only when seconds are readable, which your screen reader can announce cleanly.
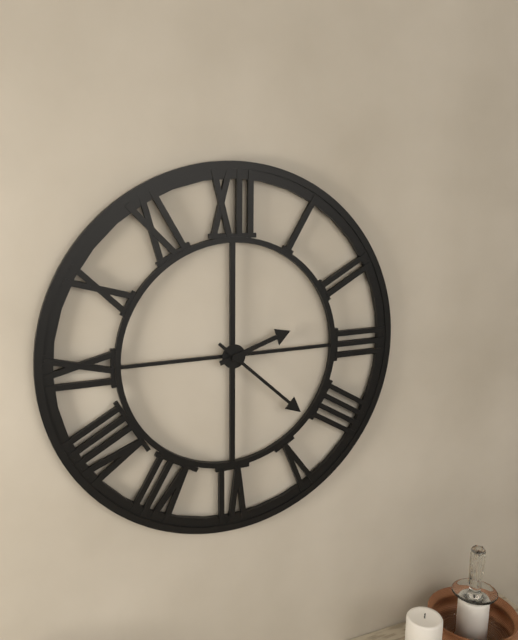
h=2 m=22
